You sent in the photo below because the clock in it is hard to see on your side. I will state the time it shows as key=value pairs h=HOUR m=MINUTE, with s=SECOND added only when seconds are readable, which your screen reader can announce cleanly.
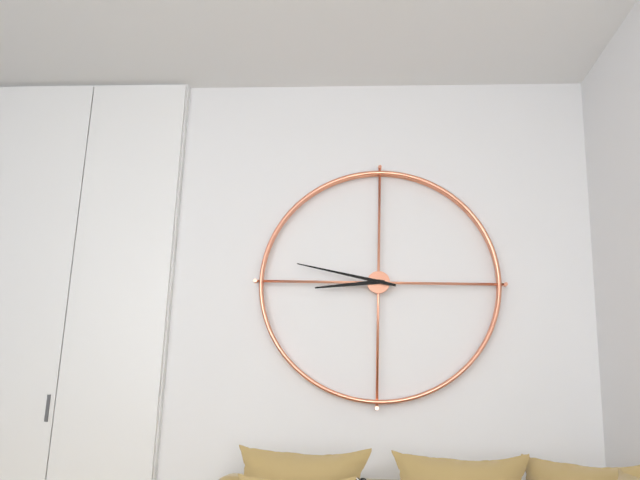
h=8 m=47
